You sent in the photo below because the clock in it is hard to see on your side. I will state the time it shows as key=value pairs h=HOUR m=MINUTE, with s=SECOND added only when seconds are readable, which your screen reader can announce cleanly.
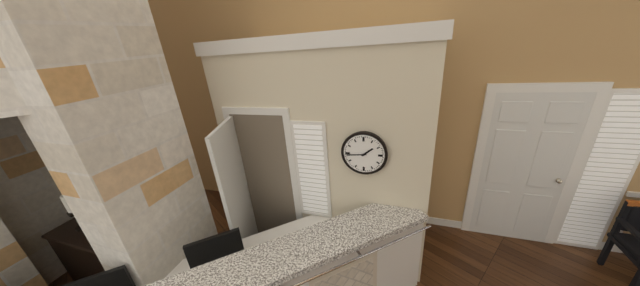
h=1 m=44
